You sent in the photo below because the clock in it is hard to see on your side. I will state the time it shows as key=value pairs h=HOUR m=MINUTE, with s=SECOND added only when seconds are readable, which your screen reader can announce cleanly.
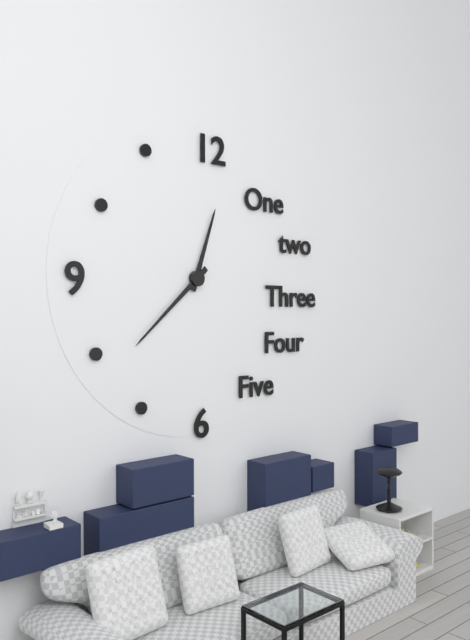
h=12 m=38
